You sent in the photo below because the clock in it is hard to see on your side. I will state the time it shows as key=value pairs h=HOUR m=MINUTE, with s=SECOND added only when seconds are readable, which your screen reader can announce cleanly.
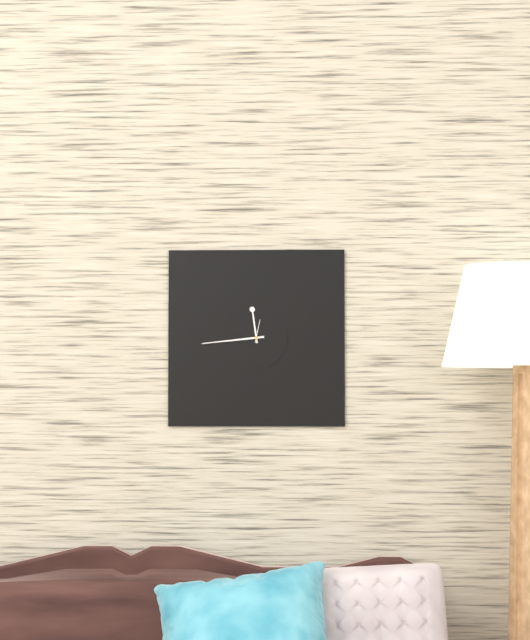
h=11 m=44
